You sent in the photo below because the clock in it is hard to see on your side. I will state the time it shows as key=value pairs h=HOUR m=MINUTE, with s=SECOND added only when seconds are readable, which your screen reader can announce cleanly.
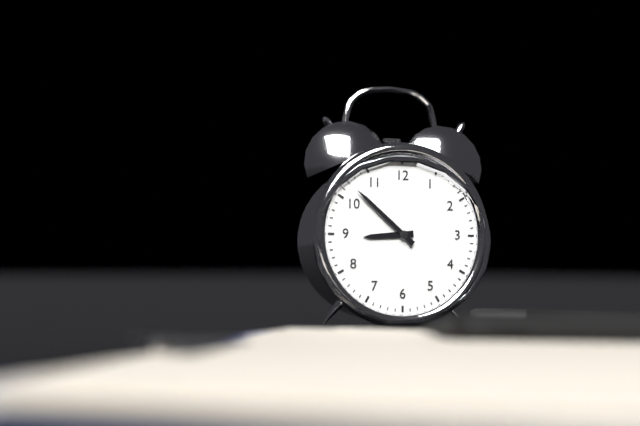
h=8 m=52
